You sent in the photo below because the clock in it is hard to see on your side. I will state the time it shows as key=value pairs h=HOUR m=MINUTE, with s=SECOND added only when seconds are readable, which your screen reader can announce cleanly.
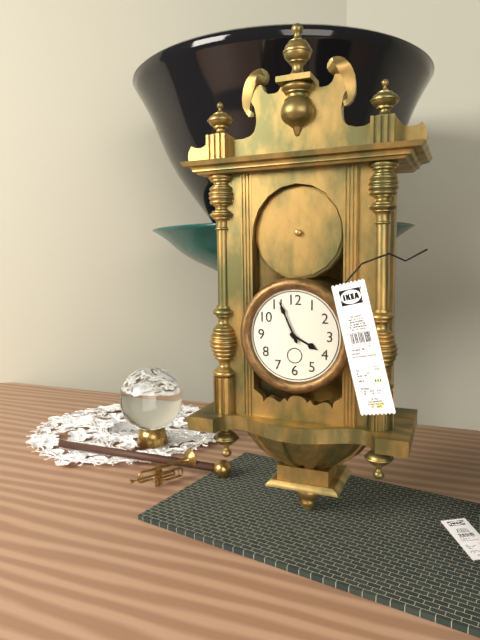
h=3 m=56
